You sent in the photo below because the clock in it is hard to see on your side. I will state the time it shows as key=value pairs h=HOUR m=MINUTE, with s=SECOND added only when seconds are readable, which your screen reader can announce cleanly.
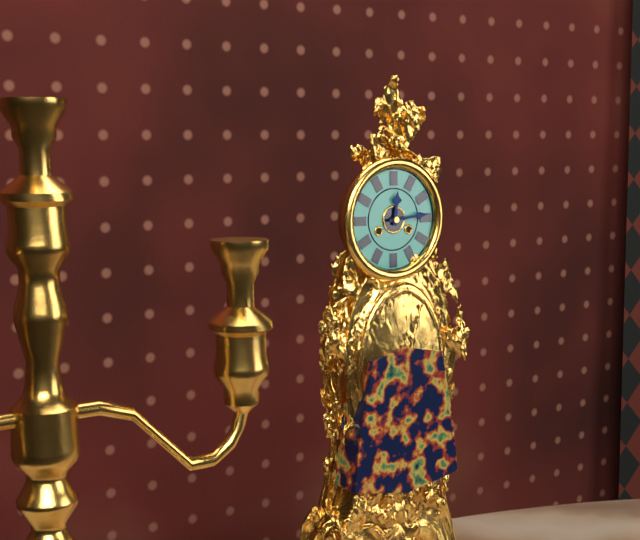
h=12 m=14
